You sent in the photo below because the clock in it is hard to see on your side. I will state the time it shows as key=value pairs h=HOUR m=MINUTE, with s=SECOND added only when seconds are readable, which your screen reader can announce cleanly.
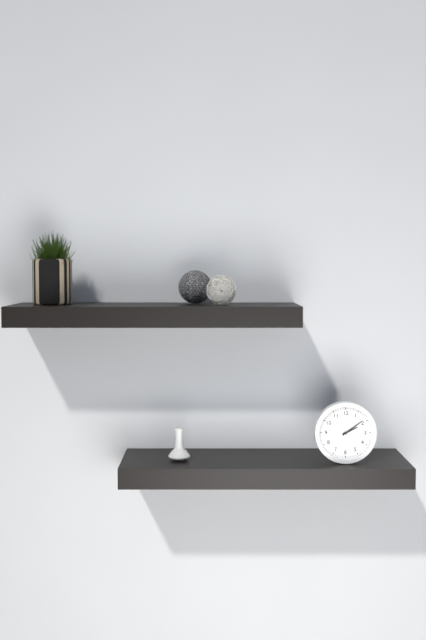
h=2 m=9
